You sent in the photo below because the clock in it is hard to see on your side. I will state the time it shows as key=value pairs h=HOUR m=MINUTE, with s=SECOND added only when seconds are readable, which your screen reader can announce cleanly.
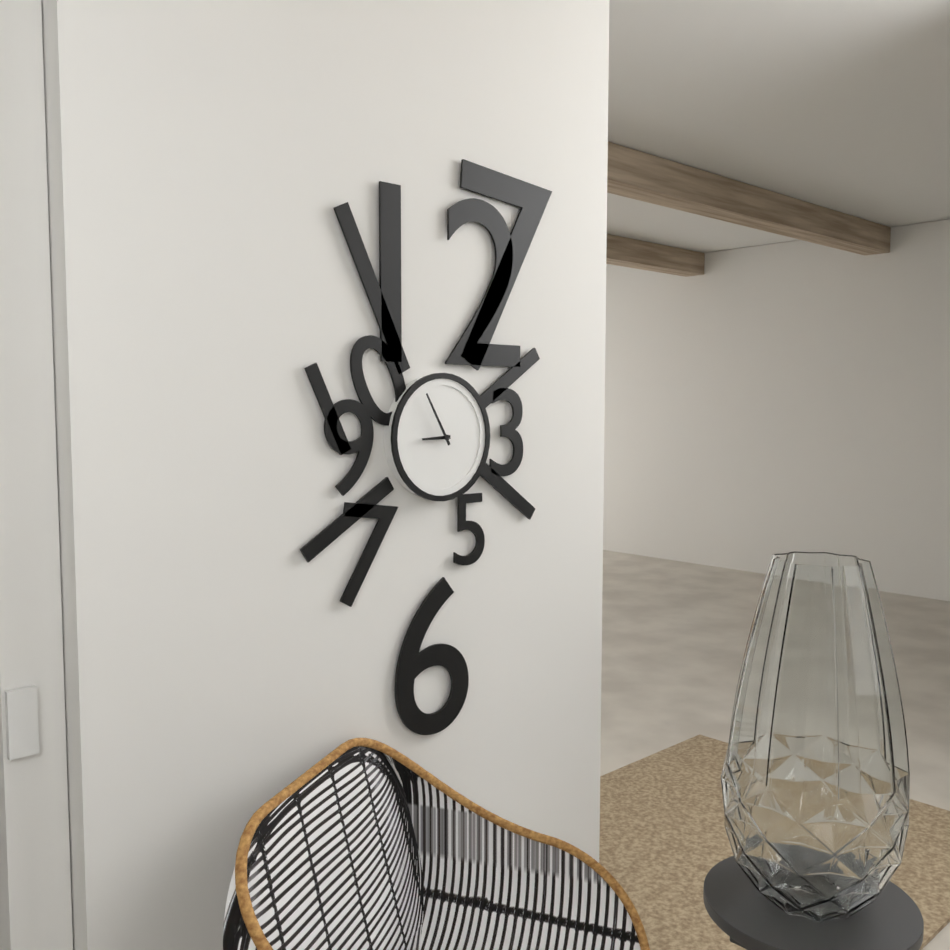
h=8 m=55
